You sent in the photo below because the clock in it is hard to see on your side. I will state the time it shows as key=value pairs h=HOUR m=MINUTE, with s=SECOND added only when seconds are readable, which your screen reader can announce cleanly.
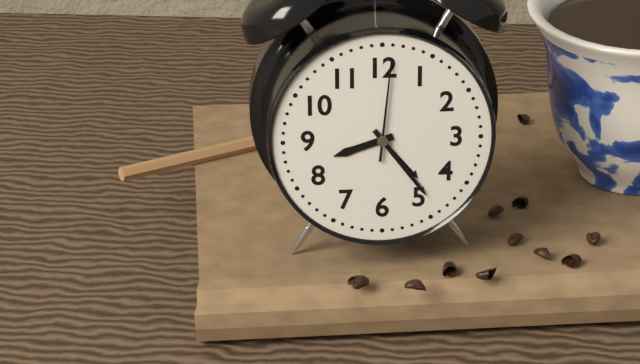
h=8 m=24 s=1
